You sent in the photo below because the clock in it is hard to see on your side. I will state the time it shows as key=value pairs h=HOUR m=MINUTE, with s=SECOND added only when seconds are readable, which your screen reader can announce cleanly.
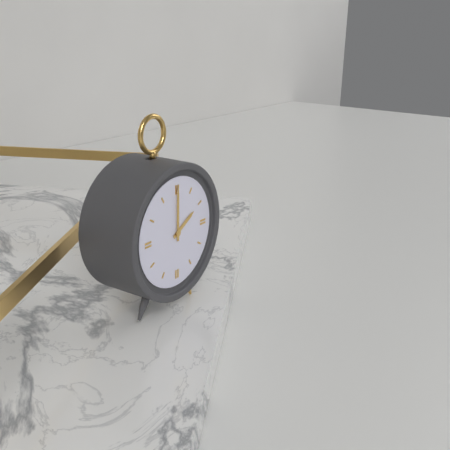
h=2 m=0
